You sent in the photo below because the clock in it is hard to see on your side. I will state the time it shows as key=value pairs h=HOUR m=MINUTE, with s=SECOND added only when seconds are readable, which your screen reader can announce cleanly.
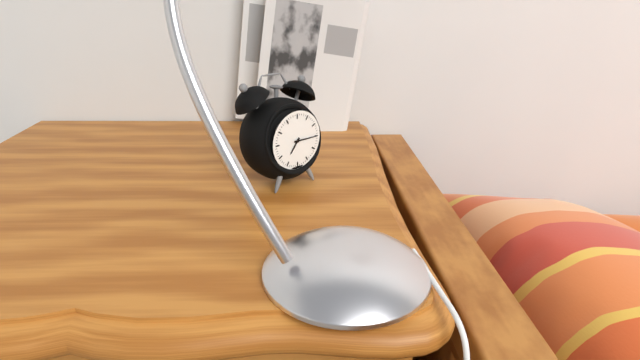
h=7 m=15
